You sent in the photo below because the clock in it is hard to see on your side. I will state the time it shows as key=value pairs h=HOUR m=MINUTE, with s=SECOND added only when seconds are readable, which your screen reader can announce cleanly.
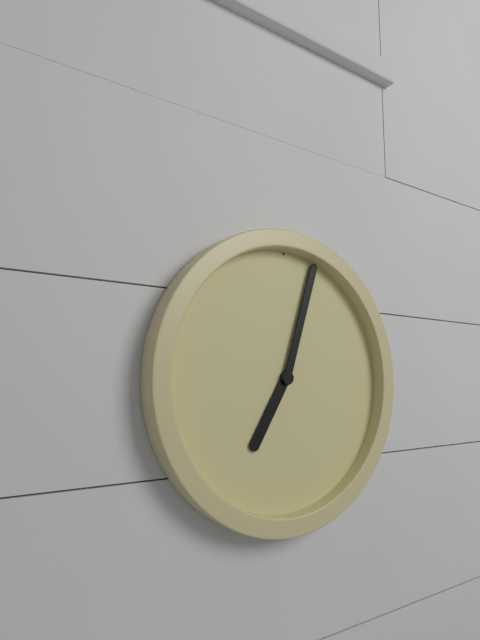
h=7 m=3
